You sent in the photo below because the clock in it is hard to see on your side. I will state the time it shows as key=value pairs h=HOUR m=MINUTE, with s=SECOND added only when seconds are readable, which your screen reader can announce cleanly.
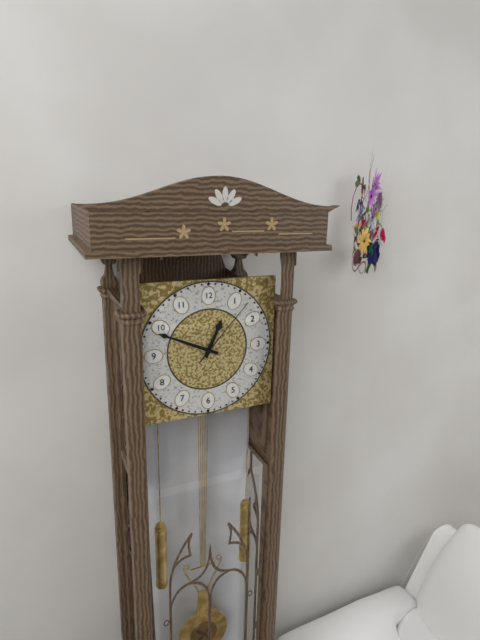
h=12 m=49 s=7
